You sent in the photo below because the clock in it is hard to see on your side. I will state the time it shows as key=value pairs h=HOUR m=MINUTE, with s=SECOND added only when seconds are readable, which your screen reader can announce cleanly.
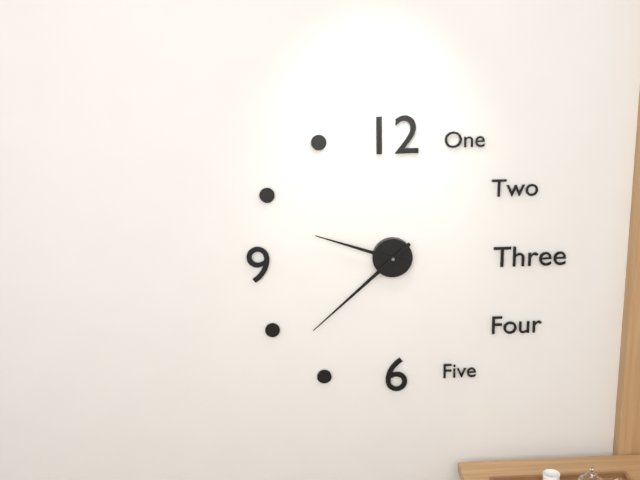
h=9 m=38
